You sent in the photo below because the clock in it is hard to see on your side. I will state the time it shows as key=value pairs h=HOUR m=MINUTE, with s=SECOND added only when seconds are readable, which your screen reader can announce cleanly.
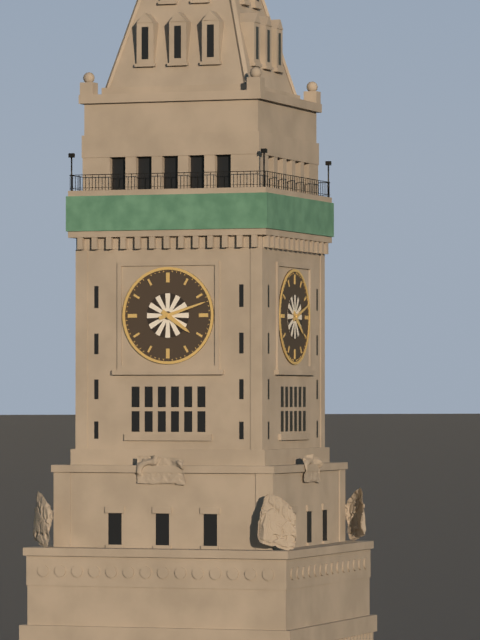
h=4 m=12
